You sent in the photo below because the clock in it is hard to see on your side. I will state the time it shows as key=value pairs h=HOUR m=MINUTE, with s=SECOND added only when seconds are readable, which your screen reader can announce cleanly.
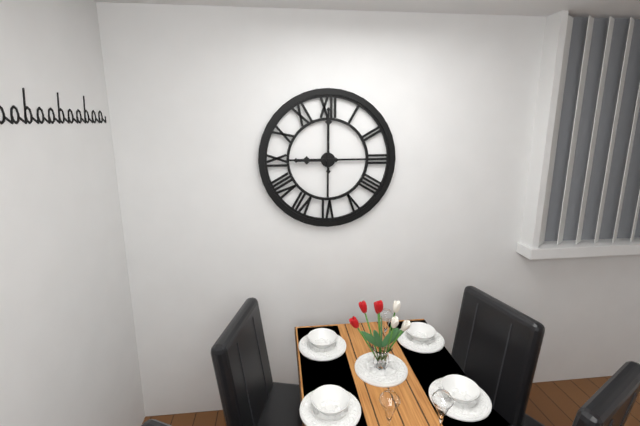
h=9 m=0
